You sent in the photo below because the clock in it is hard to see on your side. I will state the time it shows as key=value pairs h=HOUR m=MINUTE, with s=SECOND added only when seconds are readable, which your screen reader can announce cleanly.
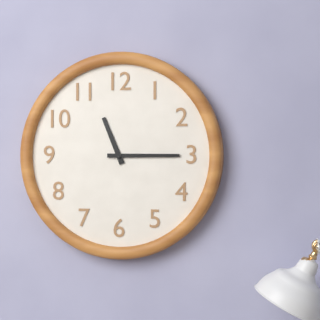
h=11 m=15
